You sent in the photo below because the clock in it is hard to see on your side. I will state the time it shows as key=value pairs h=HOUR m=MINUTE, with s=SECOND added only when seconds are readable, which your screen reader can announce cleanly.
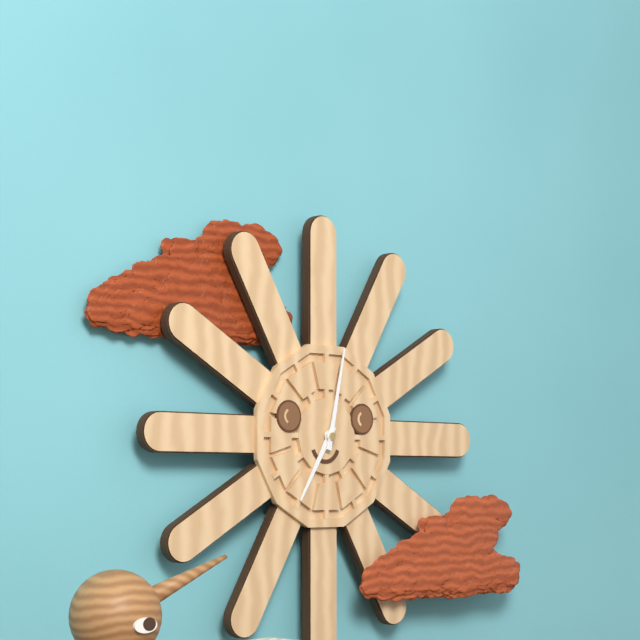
h=7 m=2
